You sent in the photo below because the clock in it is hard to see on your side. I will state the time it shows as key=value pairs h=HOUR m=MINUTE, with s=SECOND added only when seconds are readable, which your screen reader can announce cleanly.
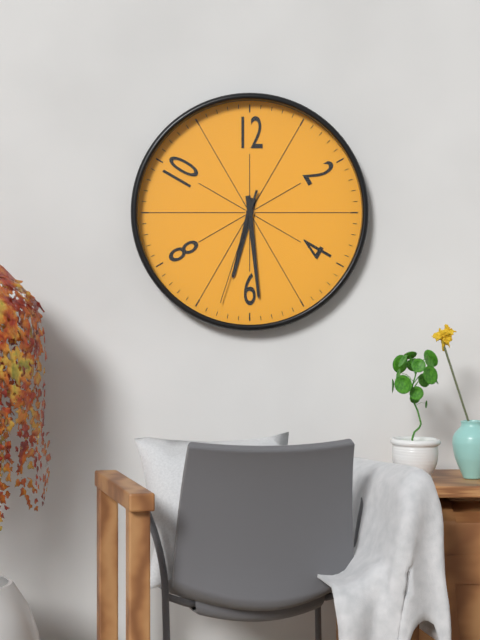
h=6 m=29 s=33
